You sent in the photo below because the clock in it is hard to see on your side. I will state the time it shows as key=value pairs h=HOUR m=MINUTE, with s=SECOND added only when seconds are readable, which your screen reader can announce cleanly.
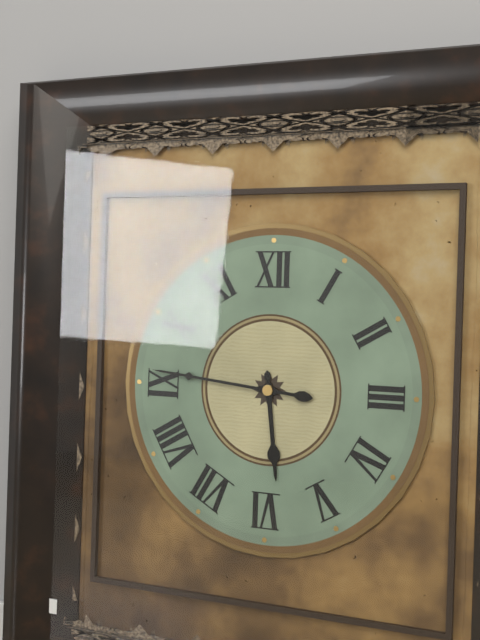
h=5 m=46
